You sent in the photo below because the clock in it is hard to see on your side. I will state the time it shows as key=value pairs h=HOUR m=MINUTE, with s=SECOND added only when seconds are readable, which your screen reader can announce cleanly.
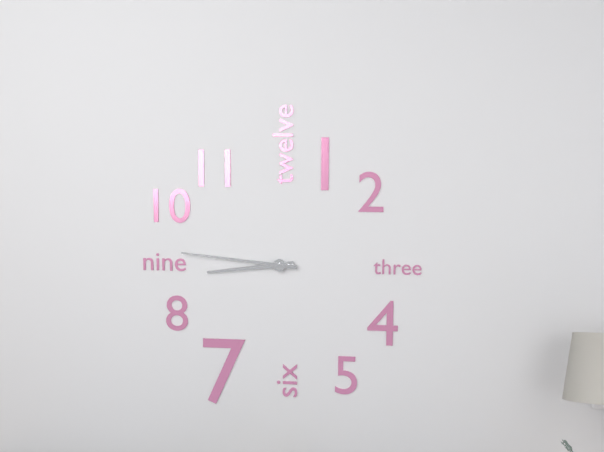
h=8 m=46
